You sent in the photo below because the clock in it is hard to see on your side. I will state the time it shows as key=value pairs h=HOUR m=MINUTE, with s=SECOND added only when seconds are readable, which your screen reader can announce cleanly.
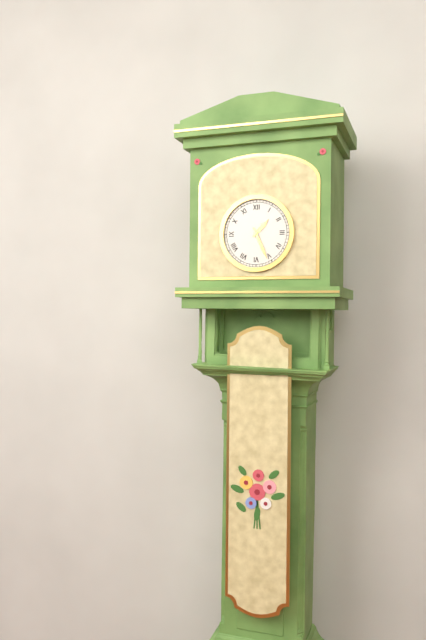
h=1 m=26
